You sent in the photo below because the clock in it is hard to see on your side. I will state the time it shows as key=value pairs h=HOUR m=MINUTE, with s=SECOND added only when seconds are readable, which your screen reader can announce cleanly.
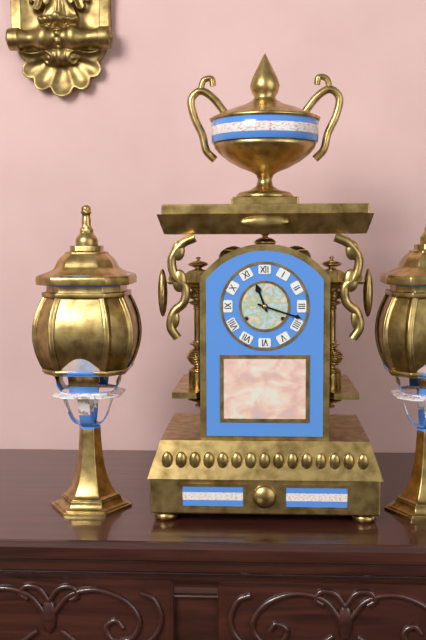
h=11 m=18
